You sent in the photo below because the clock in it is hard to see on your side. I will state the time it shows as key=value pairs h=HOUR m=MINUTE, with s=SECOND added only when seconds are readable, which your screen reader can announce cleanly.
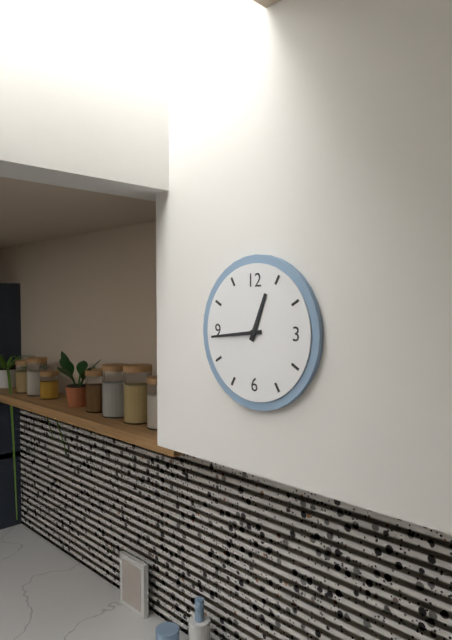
h=12 m=44
